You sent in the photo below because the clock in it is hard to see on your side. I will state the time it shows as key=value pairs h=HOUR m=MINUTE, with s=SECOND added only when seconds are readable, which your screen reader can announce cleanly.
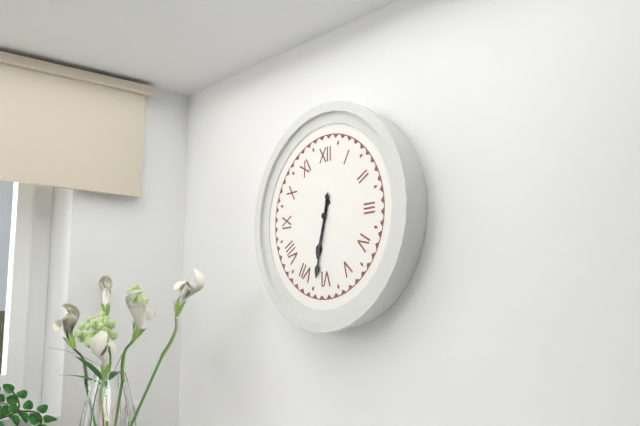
h=6 m=32
